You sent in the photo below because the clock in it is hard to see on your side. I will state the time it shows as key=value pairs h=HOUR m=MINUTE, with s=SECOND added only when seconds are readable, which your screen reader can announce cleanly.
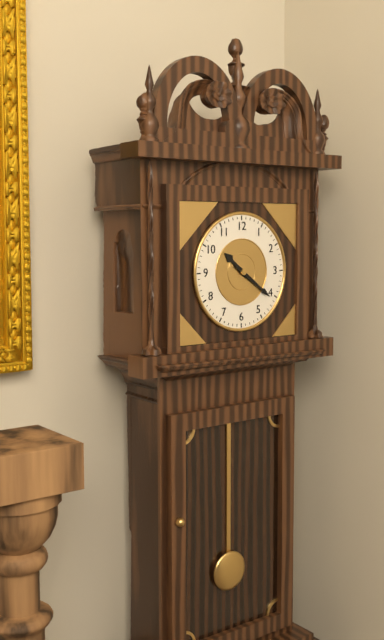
h=10 m=21
